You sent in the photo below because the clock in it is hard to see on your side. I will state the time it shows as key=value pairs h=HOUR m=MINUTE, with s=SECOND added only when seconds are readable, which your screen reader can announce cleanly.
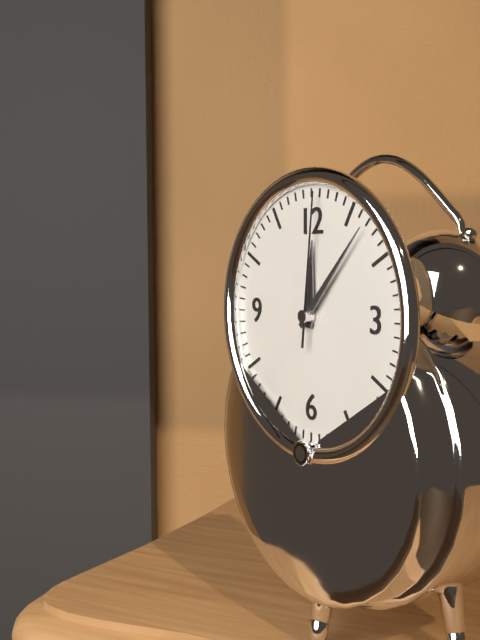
h=12 m=7 s=1
